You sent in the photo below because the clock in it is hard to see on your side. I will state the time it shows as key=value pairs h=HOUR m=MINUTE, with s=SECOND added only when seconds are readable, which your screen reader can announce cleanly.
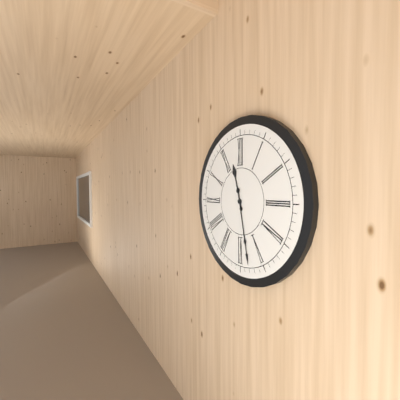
h=11 m=28
